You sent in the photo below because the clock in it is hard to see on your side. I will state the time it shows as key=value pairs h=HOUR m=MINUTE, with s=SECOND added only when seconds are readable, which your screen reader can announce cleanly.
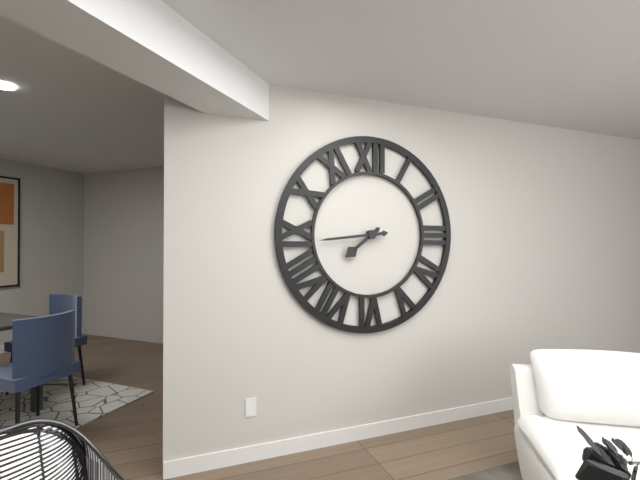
h=7 m=44
